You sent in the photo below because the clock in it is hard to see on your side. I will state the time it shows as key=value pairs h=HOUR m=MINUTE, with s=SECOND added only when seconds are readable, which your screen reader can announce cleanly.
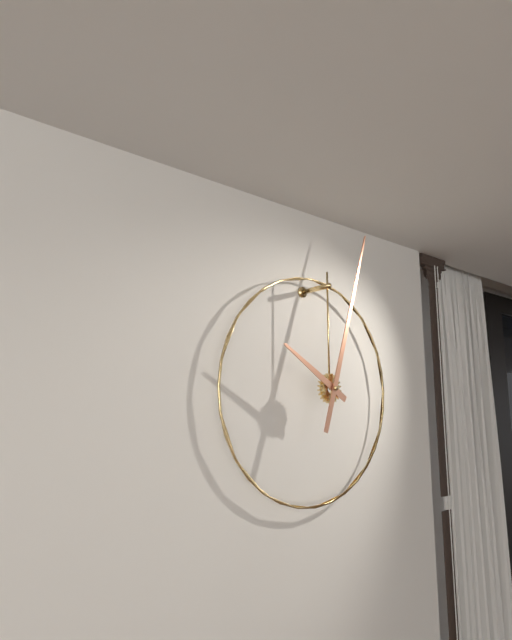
h=10 m=3
